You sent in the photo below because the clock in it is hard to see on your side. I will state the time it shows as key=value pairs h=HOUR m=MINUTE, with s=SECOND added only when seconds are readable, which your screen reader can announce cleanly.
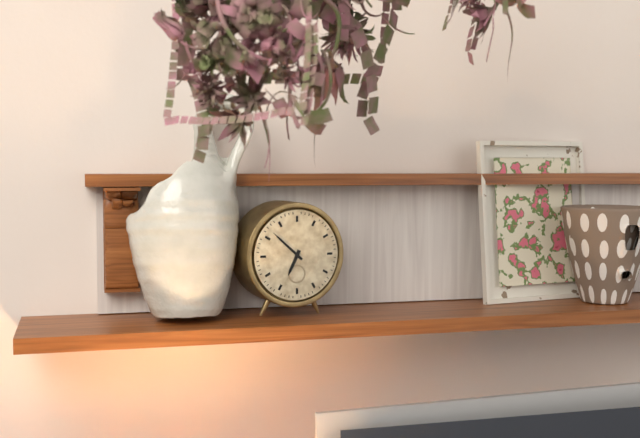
h=6 m=52
